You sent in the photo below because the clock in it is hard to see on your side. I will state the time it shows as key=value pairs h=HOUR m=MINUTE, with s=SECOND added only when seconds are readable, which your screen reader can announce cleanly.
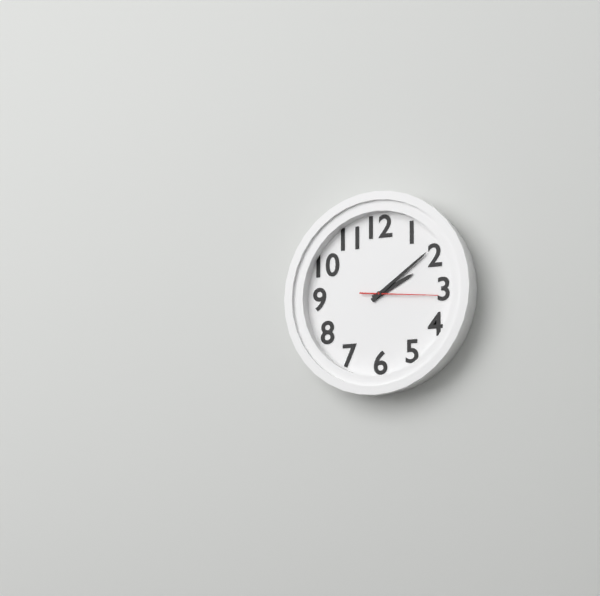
h=2 m=9 s=16
